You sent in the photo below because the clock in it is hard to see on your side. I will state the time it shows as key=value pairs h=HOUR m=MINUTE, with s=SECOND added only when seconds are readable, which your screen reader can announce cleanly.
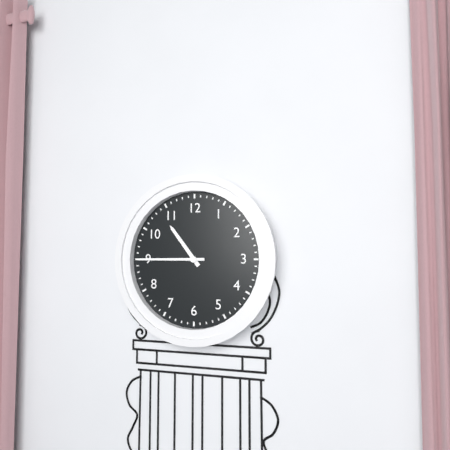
h=10 m=45
